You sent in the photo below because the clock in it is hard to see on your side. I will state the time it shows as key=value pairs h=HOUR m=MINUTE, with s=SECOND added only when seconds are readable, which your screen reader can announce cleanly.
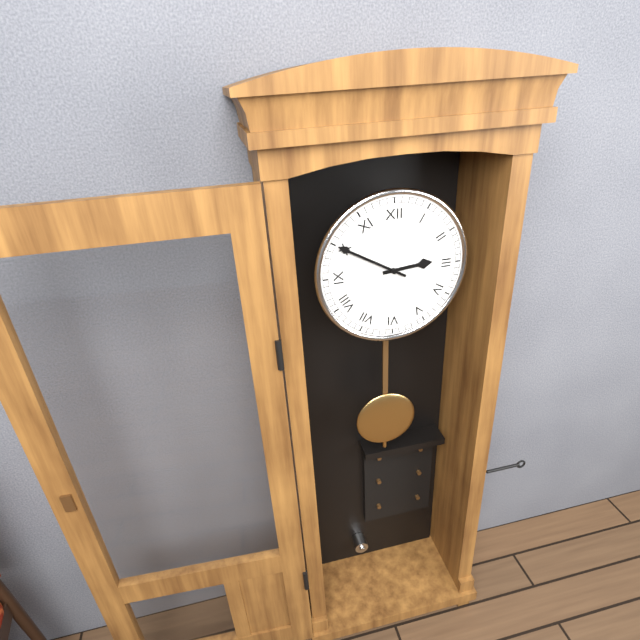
h=2 m=50
